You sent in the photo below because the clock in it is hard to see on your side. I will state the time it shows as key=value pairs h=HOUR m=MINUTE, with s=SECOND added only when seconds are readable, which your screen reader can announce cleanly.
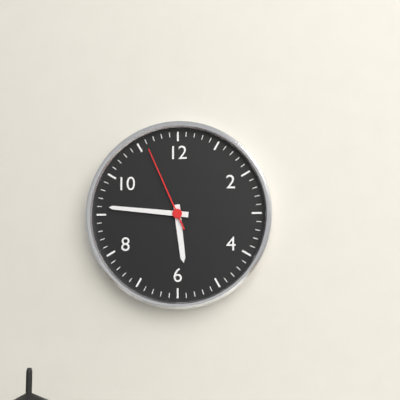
h=5 m=46 s=56
